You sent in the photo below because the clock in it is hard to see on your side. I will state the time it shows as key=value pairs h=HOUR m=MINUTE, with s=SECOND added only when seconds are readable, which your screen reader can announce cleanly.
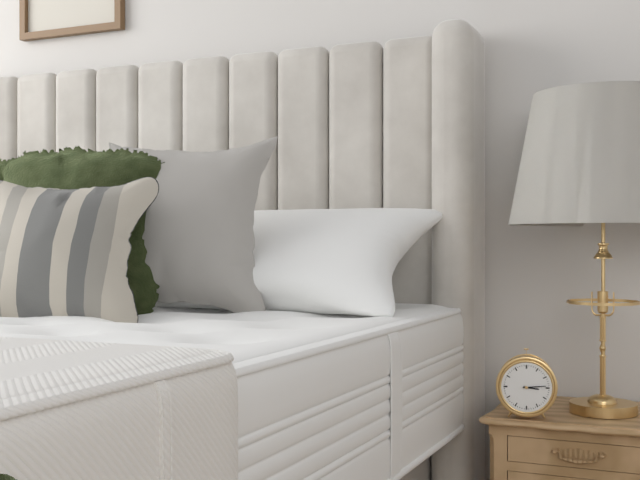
h=3 m=14
